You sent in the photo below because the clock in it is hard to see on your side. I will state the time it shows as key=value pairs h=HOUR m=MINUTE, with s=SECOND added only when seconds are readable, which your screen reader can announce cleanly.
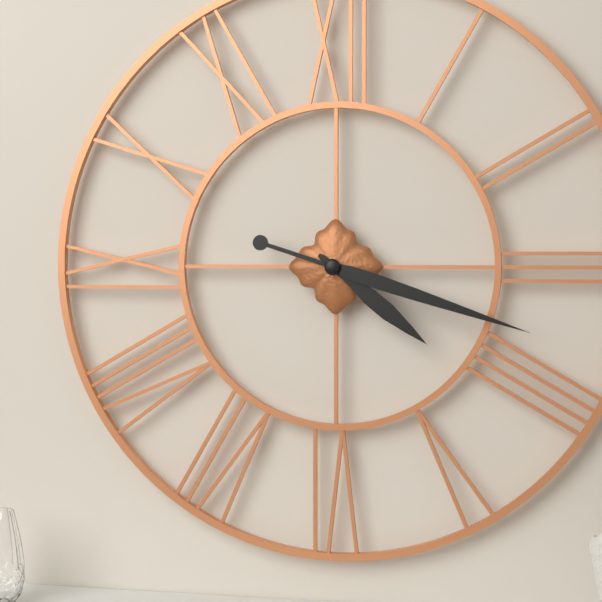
h=4 m=18
